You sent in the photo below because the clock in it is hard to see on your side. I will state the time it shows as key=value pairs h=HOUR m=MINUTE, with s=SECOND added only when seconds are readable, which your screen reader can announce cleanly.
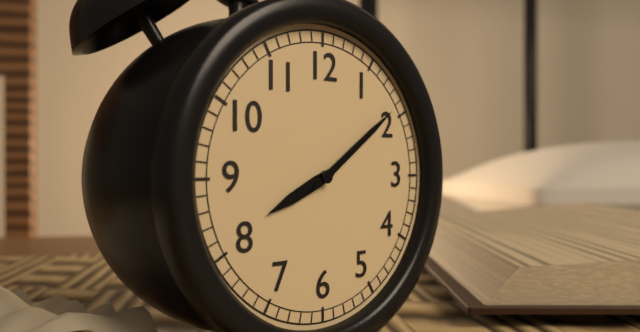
h=8 m=9
